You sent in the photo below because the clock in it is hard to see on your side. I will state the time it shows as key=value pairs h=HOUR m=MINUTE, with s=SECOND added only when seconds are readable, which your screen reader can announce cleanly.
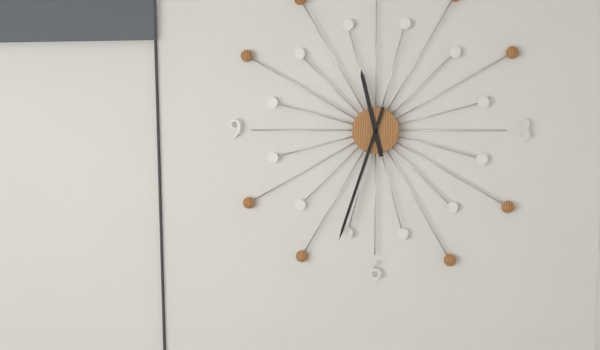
h=11 m=33
